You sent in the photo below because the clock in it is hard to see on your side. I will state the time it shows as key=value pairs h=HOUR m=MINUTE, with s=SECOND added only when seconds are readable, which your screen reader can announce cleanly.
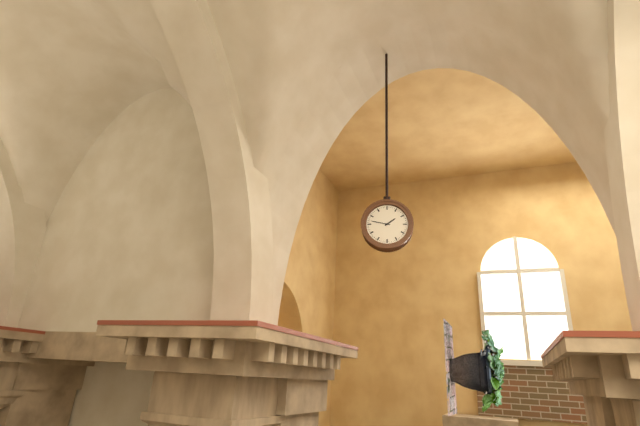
h=1 m=47
